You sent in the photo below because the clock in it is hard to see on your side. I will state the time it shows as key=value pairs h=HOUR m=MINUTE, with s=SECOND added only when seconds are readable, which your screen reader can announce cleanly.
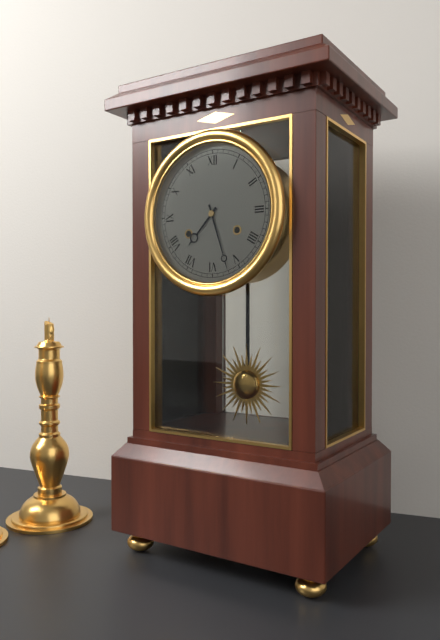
h=7 m=27
